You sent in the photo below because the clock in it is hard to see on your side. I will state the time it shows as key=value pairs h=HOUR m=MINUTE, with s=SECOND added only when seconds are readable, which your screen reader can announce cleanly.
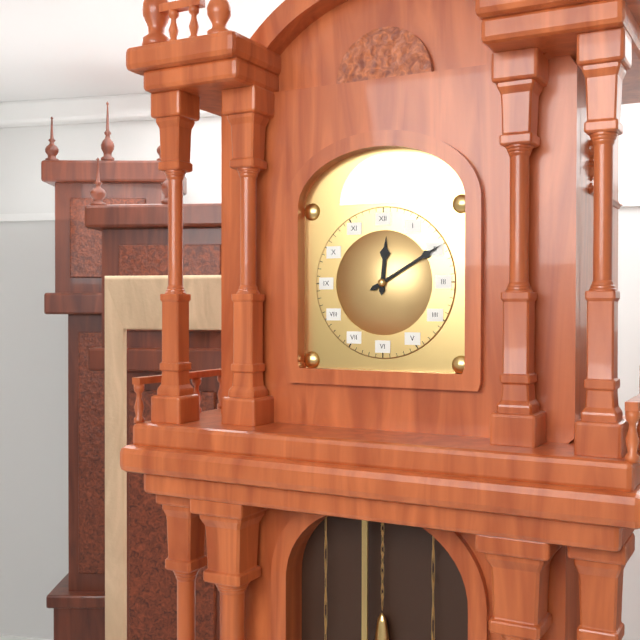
h=12 m=10
